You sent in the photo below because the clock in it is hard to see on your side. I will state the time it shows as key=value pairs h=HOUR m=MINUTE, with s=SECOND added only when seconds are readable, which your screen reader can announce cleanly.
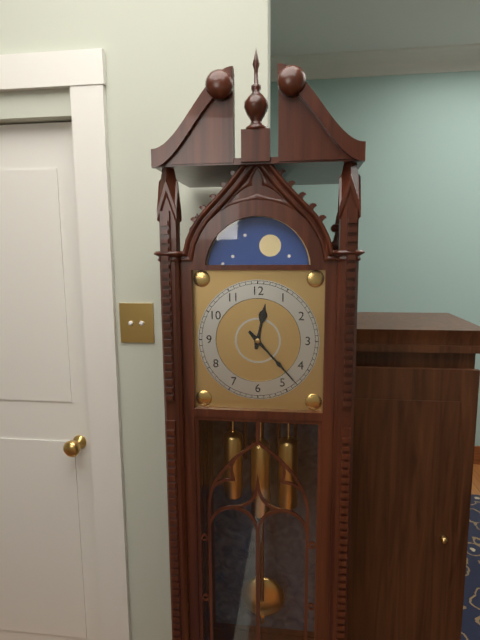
h=12 m=23
